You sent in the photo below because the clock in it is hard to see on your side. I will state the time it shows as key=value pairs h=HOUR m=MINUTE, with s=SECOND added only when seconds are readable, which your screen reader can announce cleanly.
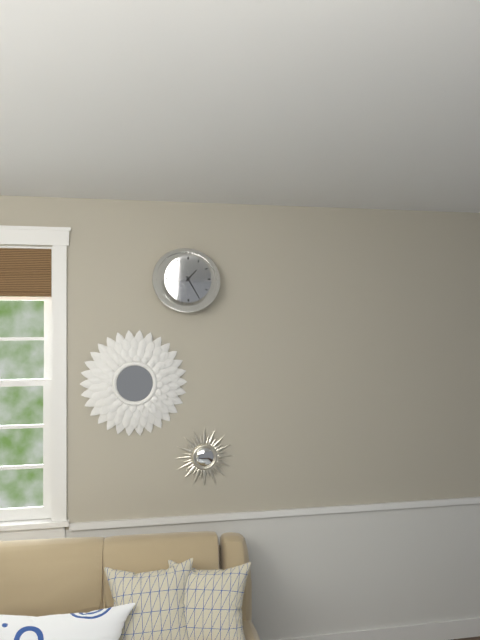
h=1 m=25
